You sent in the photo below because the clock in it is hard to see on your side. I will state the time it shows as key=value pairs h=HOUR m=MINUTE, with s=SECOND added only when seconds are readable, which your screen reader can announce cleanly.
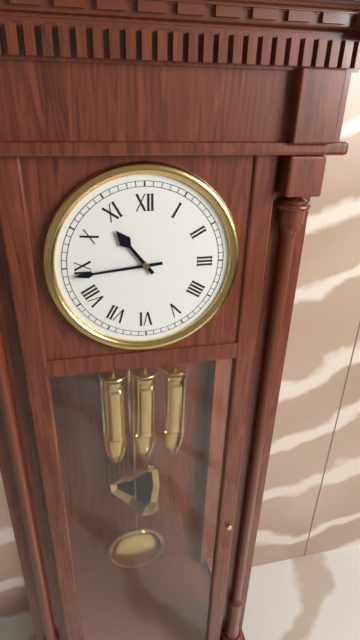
h=10 m=44
